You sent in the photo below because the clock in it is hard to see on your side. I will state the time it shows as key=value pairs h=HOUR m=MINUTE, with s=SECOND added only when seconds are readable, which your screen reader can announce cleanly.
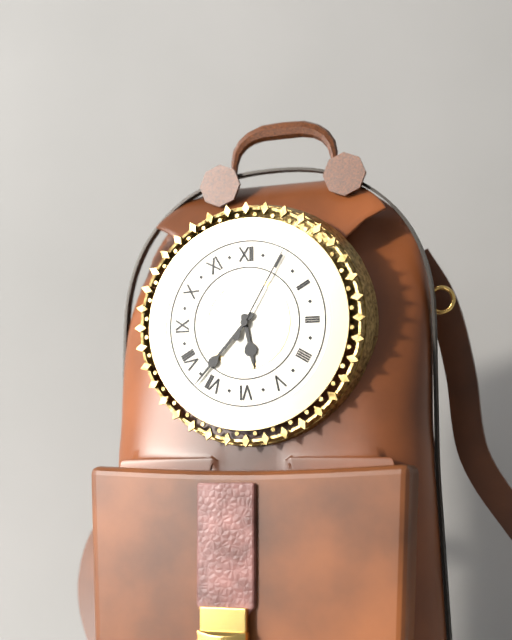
h=5 m=37 s=5
